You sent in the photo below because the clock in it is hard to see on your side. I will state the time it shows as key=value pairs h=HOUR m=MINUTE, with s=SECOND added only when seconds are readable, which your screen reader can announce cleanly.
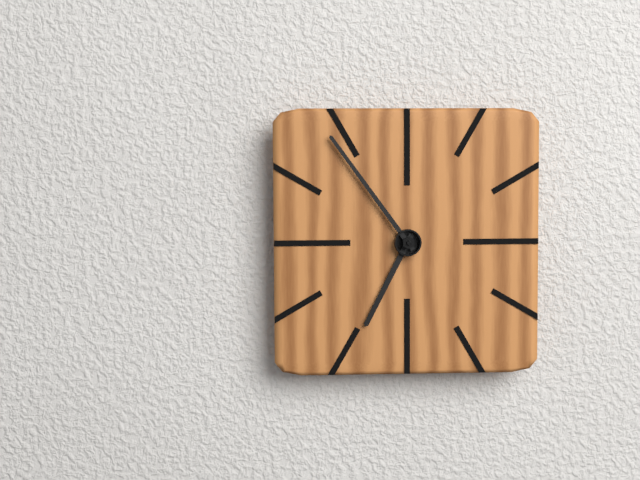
h=6 m=54
